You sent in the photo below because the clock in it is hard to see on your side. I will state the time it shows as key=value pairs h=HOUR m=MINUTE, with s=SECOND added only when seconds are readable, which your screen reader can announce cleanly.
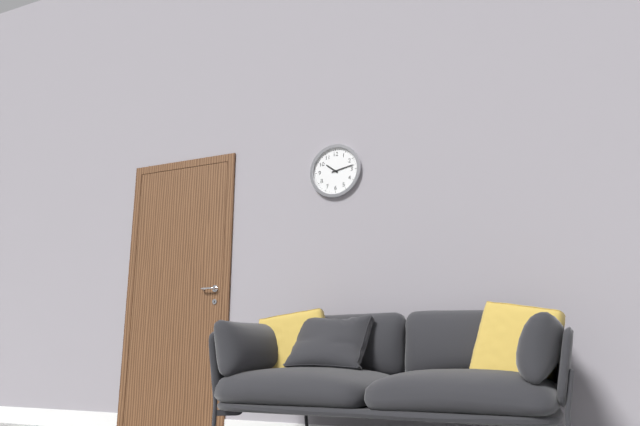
h=10 m=13
